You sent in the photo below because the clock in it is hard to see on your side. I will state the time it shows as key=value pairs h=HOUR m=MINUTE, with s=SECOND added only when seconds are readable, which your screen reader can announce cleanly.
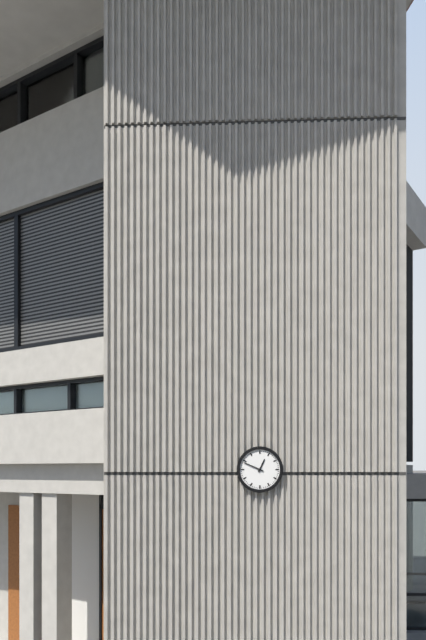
h=12 m=49
